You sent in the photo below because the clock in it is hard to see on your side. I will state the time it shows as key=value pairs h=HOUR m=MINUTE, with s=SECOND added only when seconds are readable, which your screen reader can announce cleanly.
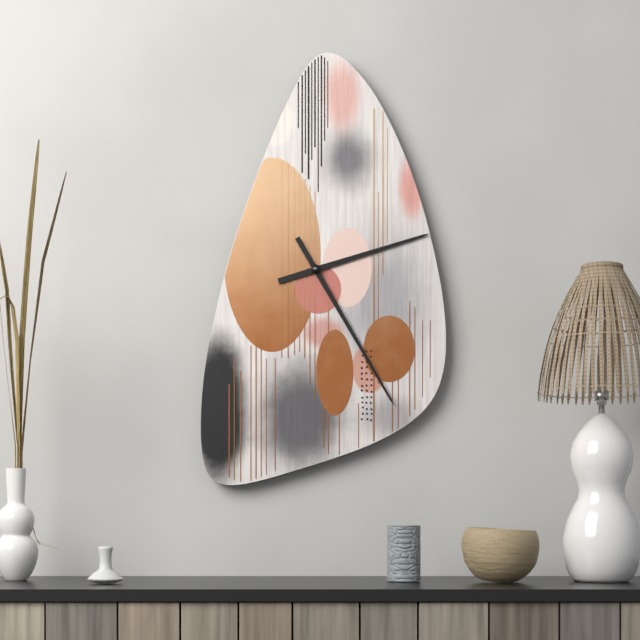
h=2 m=25
